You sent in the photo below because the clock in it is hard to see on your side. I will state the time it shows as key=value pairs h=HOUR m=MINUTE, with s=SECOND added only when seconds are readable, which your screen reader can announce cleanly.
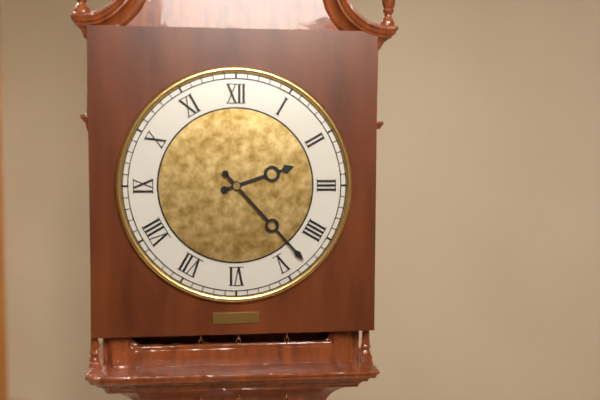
h=2 m=23
